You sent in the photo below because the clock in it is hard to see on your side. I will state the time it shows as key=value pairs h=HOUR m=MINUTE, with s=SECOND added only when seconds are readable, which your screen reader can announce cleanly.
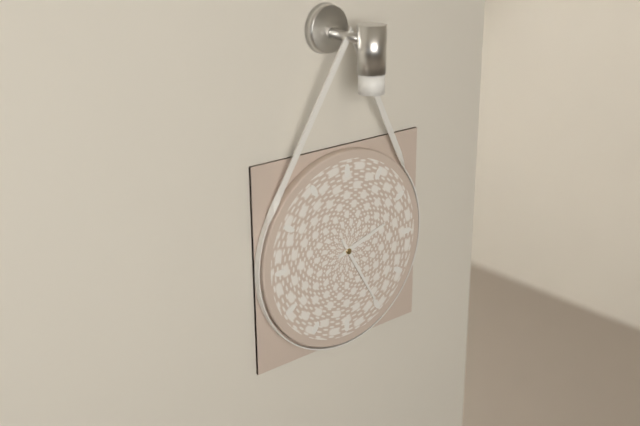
h=2 m=25
